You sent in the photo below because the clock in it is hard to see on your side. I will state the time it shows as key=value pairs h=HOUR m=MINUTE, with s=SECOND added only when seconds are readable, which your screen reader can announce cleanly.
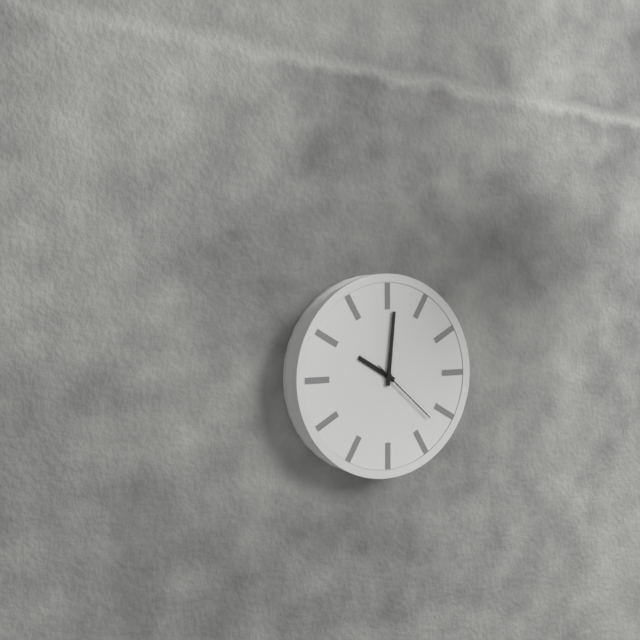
h=10 m=1 s=22
